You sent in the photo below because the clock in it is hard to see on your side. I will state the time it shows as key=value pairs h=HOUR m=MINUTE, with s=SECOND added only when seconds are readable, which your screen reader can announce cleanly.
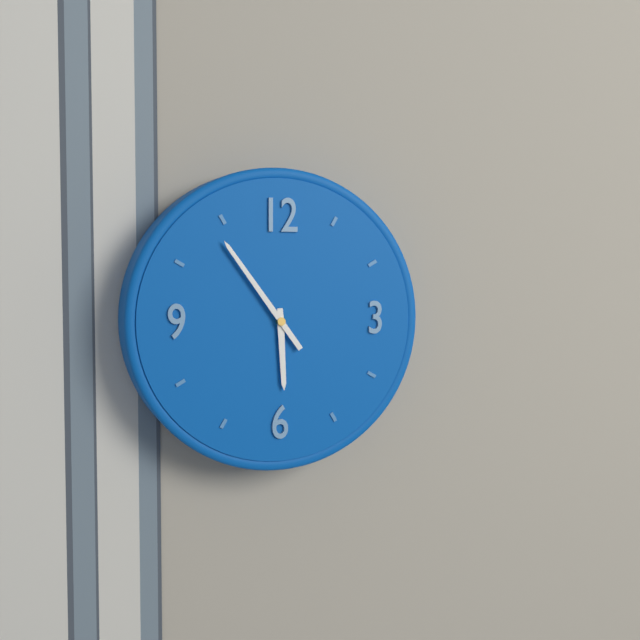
h=5 m=54
